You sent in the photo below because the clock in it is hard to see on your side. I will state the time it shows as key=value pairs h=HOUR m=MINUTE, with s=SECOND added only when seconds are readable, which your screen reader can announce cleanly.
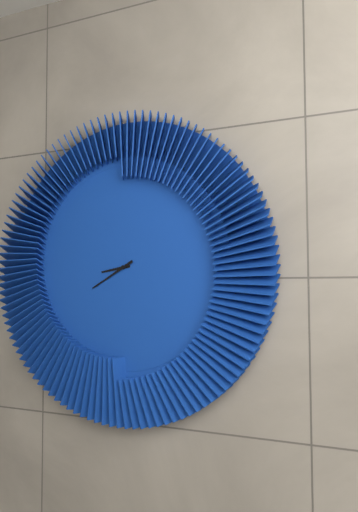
h=8 m=40
